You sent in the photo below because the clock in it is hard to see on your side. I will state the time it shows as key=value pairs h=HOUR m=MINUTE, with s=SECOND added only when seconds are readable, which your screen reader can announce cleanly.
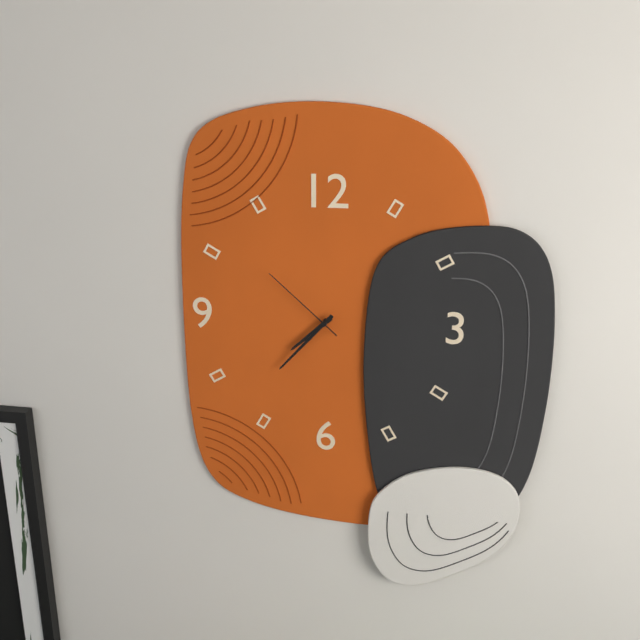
h=7 m=37 s=52
